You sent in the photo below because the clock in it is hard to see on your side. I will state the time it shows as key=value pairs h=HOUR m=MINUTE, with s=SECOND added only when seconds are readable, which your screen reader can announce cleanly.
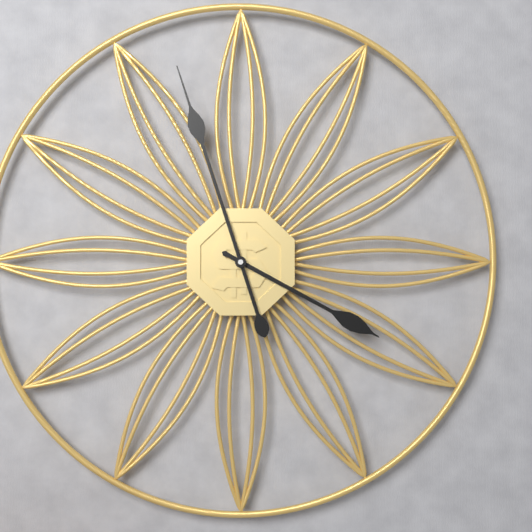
h=3 m=57
